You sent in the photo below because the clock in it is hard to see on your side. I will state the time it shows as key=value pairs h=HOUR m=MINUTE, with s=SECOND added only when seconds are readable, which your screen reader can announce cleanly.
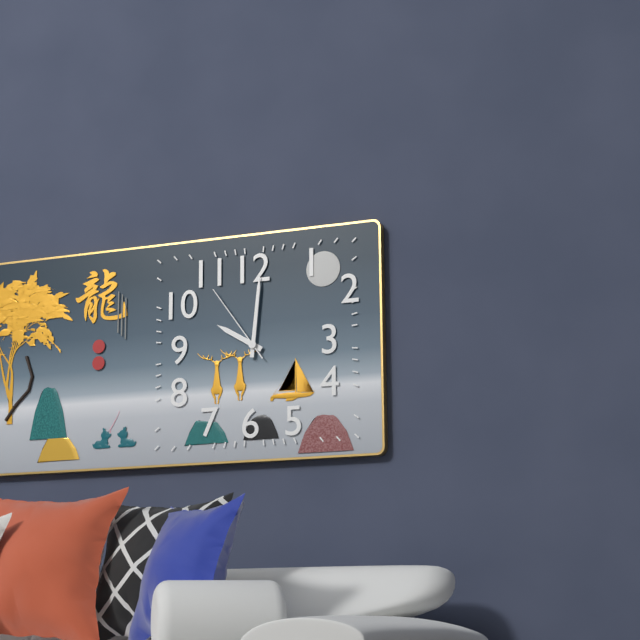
h=10 m=1 s=54
